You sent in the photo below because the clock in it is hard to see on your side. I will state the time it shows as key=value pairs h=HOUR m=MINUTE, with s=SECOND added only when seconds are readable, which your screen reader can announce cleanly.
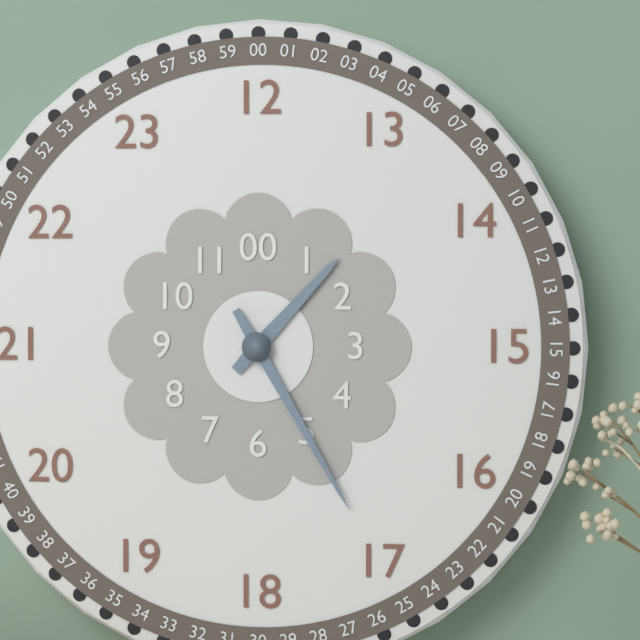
h=1 m=25
